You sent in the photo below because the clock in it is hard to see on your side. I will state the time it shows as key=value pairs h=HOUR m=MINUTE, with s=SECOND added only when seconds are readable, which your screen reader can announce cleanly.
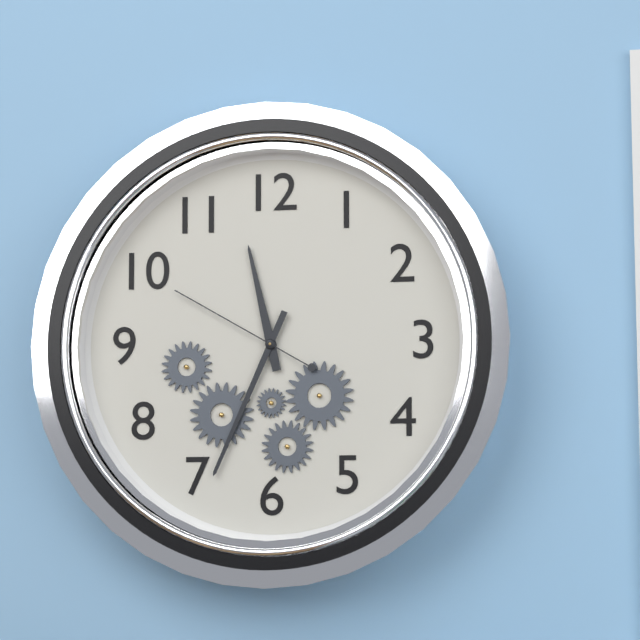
h=11 m=34 s=50
